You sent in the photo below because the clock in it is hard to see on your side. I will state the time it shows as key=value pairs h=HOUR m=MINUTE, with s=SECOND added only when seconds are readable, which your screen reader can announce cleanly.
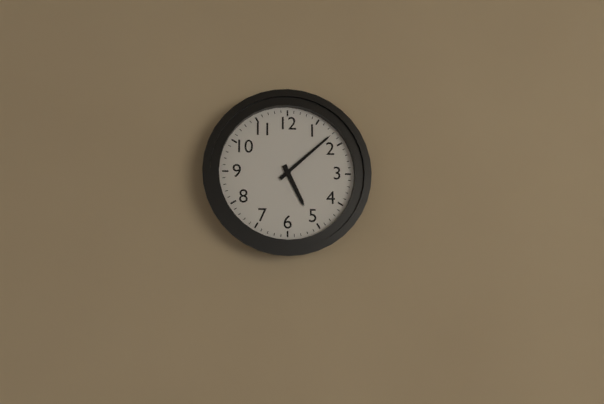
h=5 m=8
